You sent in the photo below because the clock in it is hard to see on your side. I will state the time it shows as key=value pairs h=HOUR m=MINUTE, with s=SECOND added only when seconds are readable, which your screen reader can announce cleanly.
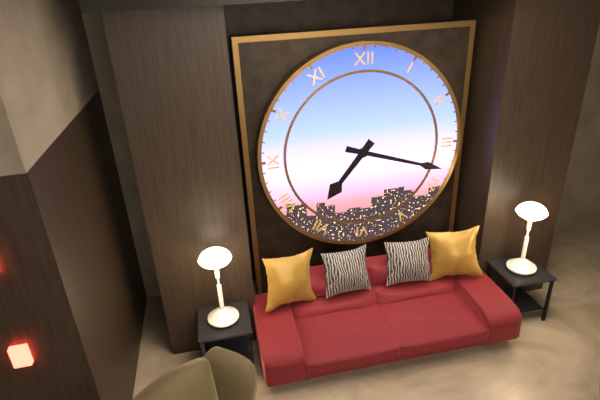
h=7 m=18
